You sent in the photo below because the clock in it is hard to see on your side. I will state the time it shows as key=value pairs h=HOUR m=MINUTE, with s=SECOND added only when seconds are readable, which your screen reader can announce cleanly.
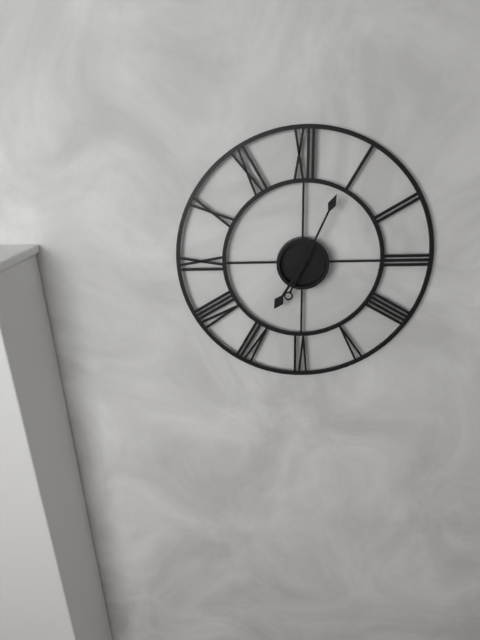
h=7 m=4
